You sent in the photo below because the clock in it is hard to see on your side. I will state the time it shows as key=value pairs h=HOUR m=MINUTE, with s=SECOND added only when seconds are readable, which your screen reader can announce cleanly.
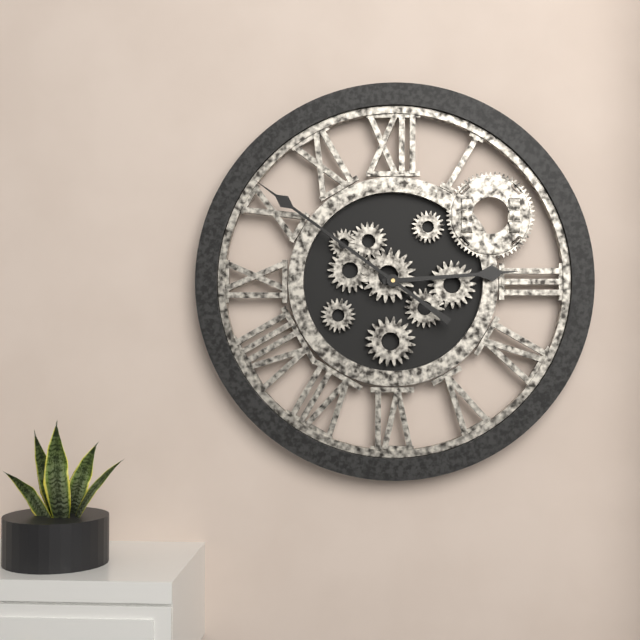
h=2 m=51
